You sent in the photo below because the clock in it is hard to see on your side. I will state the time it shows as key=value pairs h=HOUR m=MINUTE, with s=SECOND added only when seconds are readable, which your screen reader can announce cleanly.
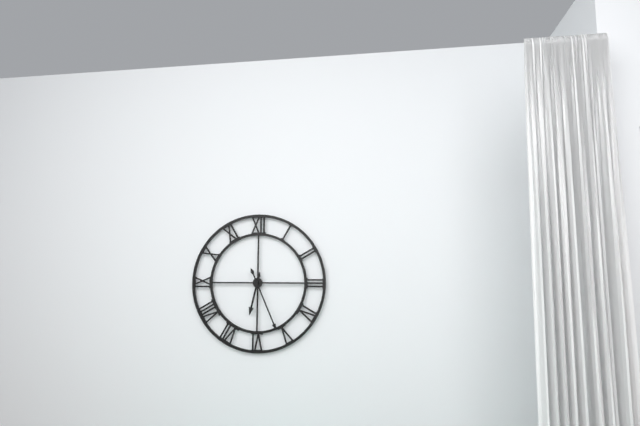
h=6 m=26
